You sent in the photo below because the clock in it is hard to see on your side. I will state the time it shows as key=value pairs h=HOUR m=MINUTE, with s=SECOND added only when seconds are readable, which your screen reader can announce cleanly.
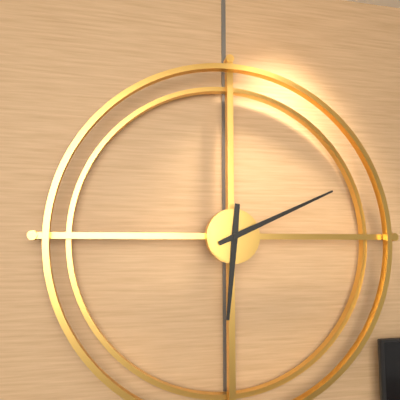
h=6 m=11
